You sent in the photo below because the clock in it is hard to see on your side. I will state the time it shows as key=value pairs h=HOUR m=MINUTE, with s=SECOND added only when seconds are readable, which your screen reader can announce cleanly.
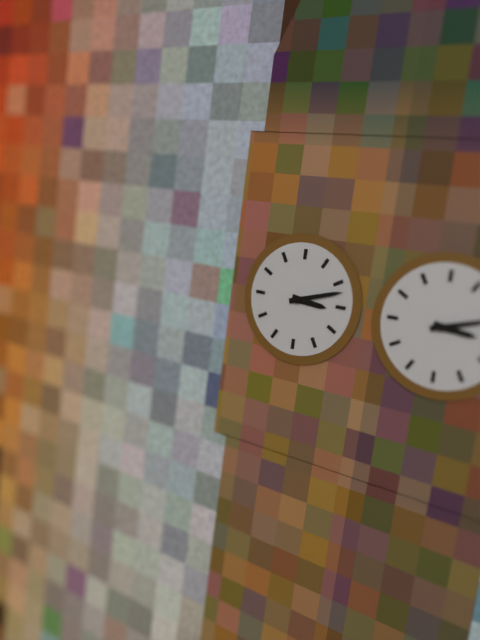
h=3 m=12
